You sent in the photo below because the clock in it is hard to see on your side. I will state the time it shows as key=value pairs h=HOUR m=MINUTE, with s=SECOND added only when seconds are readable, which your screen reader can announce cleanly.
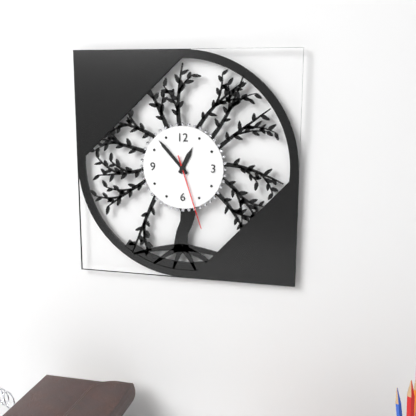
h=12 m=53 s=27
